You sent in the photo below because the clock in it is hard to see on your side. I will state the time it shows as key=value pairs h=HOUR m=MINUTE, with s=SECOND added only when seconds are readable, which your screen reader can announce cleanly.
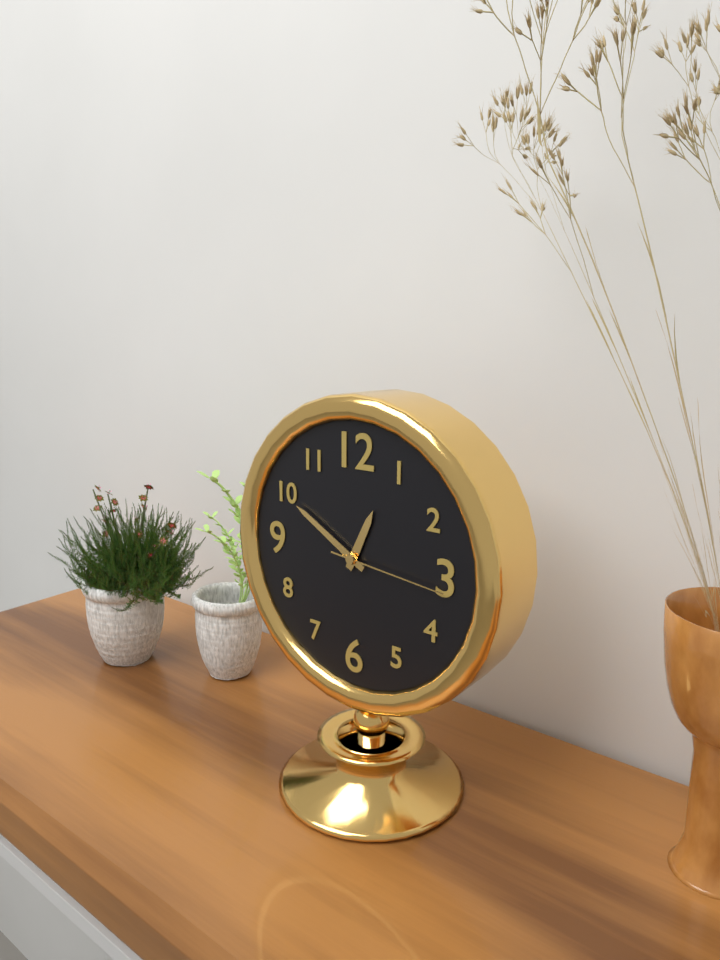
h=12 m=50 s=16
